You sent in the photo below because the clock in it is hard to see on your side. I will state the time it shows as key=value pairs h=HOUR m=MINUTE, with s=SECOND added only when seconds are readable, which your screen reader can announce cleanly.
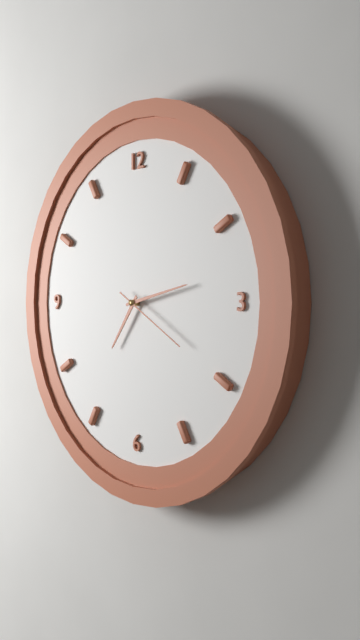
h=7 m=13 s=20
